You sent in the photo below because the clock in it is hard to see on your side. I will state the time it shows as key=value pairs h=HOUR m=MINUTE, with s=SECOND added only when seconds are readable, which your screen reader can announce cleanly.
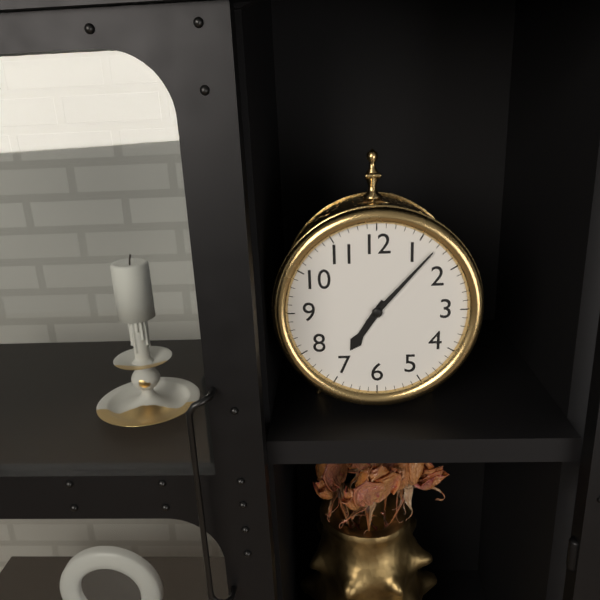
h=7 m=7
